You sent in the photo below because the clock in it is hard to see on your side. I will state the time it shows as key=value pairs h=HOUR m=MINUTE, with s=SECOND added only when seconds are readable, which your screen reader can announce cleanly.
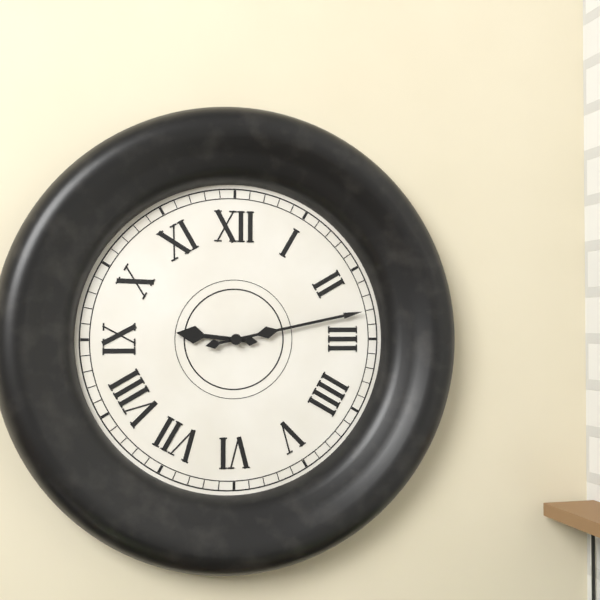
h=9 m=13
